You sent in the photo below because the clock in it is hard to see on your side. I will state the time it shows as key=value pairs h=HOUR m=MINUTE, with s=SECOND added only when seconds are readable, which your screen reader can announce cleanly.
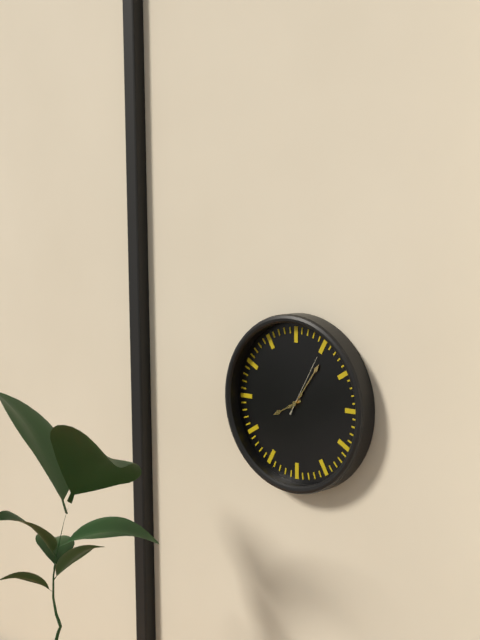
h=8 m=6 s=5
